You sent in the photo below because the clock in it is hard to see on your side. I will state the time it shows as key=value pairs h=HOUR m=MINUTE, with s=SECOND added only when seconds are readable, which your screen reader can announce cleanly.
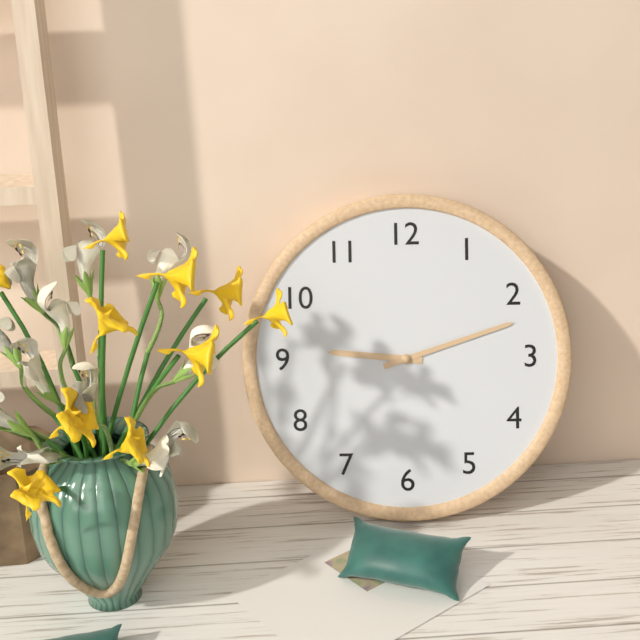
h=9 m=12
